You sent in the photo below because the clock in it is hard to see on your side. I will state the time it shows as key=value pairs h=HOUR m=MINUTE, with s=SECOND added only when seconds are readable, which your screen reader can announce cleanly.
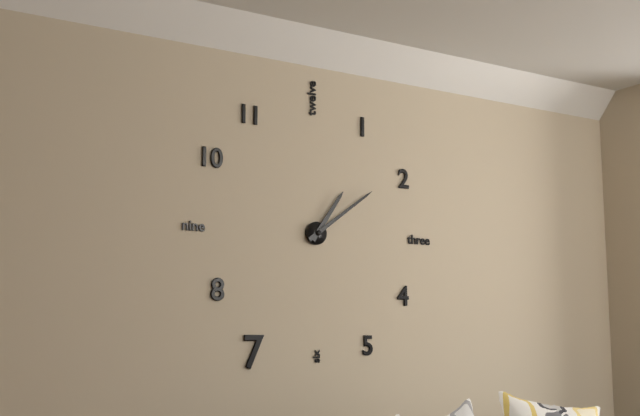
h=1 m=9
